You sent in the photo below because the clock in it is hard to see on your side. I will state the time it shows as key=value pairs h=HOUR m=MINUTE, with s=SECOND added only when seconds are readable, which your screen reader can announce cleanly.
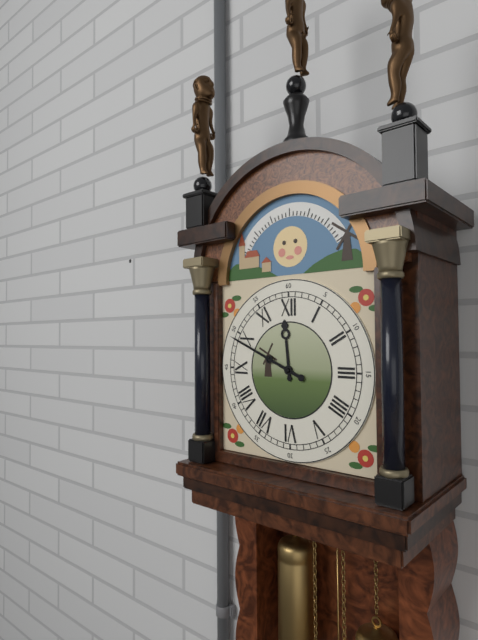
h=11 m=49
